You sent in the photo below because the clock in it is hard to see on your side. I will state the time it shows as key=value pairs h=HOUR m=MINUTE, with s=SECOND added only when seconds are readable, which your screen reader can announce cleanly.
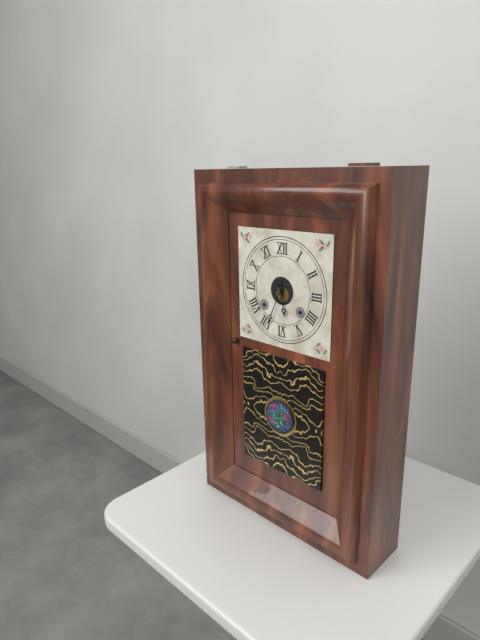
h=5 m=34
